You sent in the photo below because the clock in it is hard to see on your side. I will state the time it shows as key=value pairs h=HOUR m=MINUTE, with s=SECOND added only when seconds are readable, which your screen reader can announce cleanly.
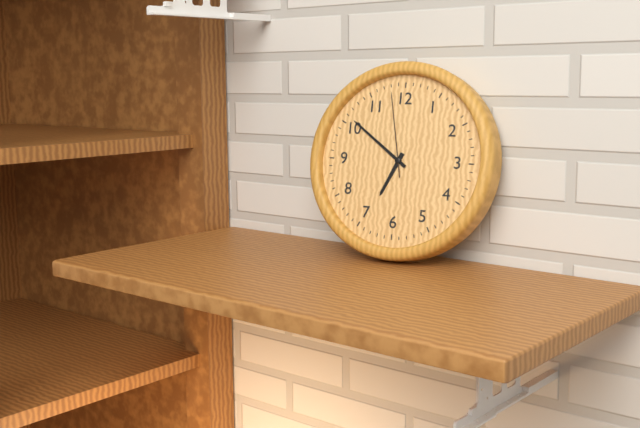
h=6 m=51 s=58
